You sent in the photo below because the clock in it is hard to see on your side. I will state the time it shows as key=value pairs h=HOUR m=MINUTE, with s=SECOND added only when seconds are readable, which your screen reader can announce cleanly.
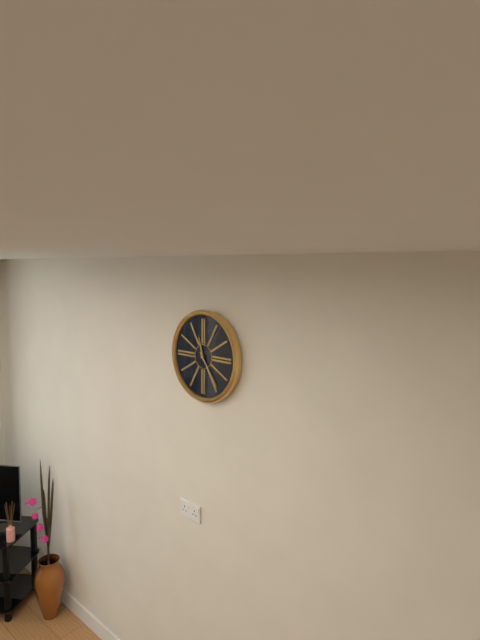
h=11 m=24
